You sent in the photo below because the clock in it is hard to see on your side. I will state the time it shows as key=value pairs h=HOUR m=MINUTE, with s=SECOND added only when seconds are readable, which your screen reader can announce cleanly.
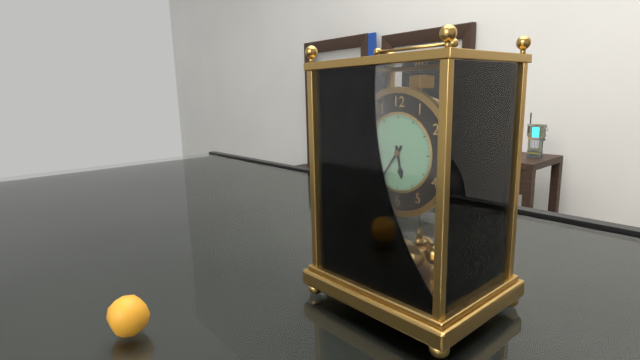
h=5 m=36
